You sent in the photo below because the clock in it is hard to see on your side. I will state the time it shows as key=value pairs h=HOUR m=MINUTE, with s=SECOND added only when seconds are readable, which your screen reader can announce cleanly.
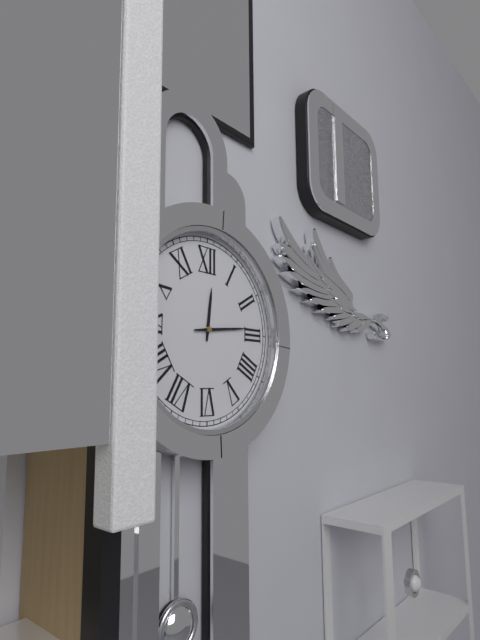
h=12 m=14
